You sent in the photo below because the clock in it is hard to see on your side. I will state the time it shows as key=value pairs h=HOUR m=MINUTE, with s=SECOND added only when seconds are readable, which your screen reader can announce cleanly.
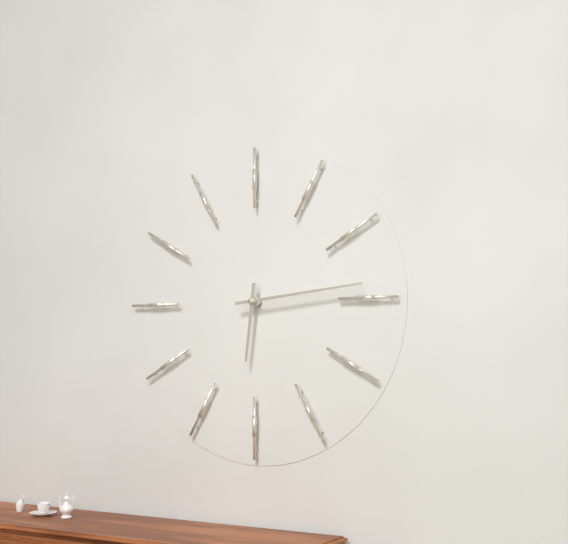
h=6 m=14
